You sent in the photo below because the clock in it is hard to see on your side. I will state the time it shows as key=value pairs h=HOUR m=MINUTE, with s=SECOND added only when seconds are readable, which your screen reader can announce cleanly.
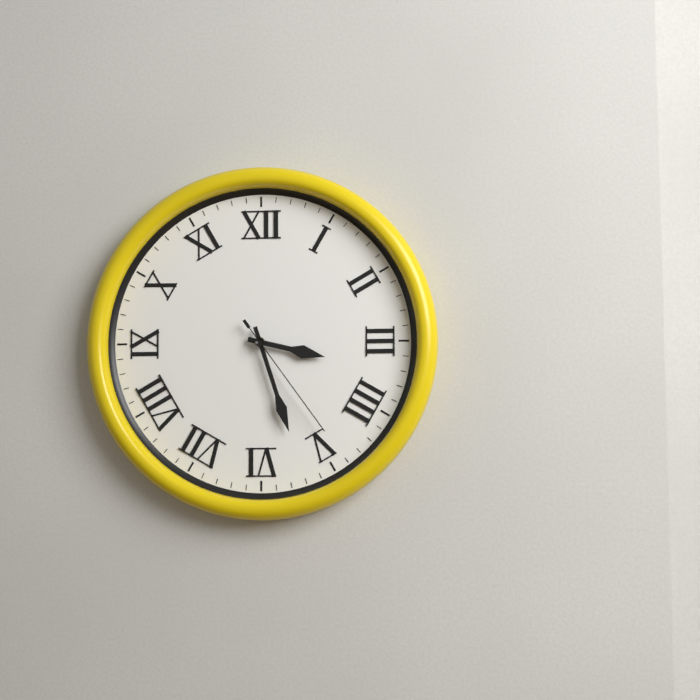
h=3 m=27 s=24
